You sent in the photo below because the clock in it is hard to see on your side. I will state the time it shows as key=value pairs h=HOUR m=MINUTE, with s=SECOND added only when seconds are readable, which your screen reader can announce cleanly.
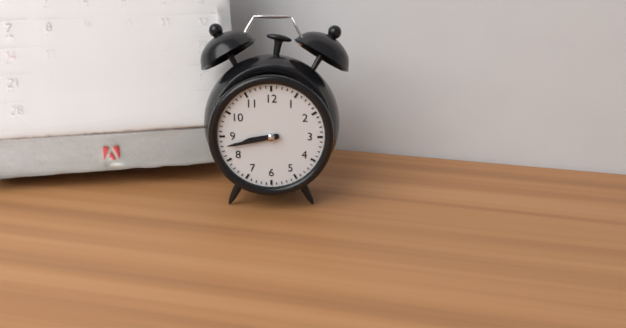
h=8 m=43
